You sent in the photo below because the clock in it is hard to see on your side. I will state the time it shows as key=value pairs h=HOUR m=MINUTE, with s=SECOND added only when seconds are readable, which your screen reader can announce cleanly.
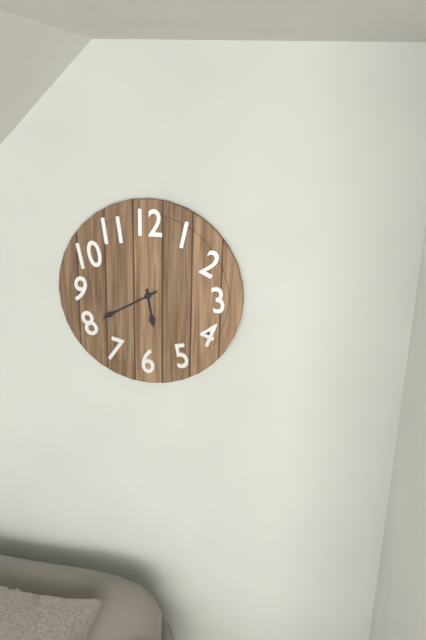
h=5 m=40
